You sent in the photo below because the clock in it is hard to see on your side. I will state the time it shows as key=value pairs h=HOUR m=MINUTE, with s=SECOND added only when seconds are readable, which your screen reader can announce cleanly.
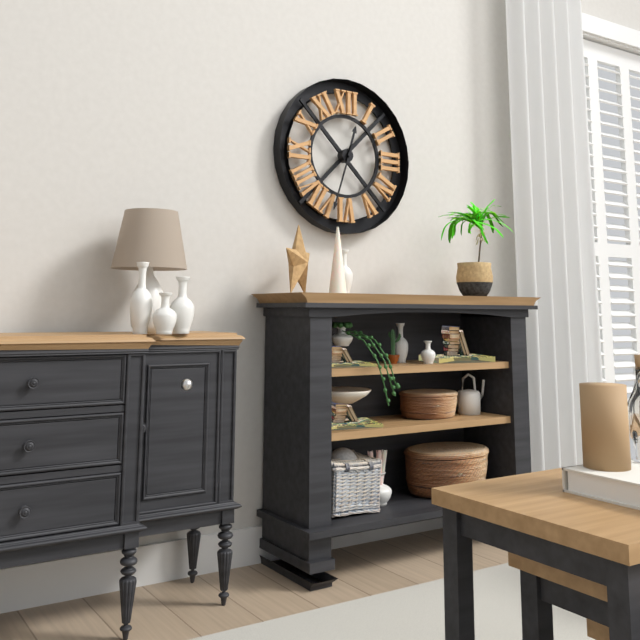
h=12 m=33
